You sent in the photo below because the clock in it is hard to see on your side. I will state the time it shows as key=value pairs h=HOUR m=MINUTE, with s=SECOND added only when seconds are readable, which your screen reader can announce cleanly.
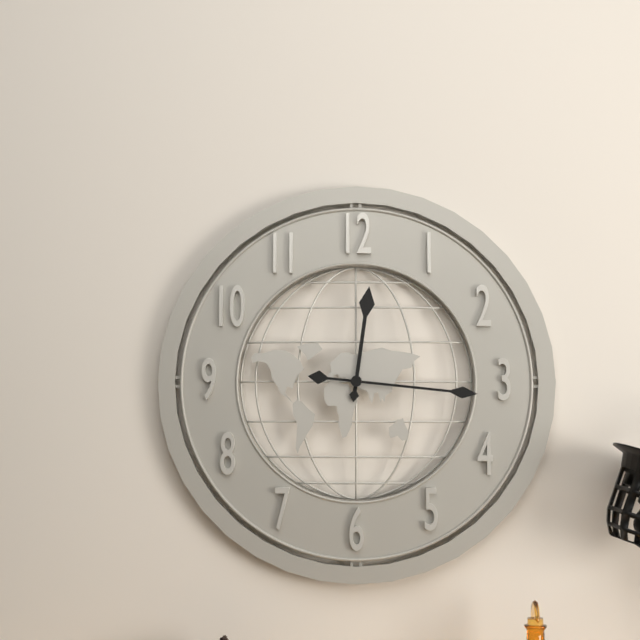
h=12 m=16
